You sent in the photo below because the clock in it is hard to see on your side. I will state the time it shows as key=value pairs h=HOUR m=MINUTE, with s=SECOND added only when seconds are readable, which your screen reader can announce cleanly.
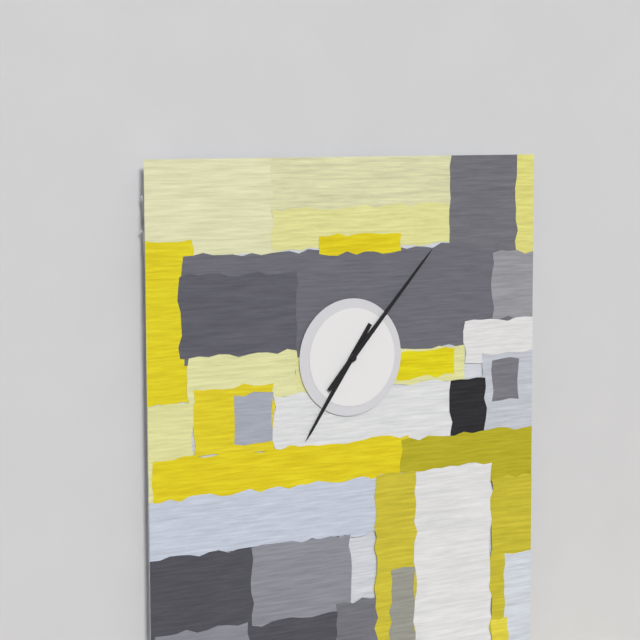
h=7 m=7
